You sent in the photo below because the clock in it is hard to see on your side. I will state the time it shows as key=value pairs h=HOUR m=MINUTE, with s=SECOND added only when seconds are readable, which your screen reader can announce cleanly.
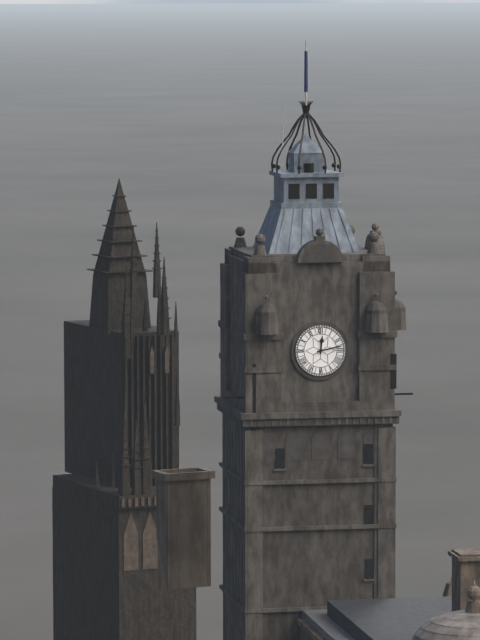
h=12 m=13
